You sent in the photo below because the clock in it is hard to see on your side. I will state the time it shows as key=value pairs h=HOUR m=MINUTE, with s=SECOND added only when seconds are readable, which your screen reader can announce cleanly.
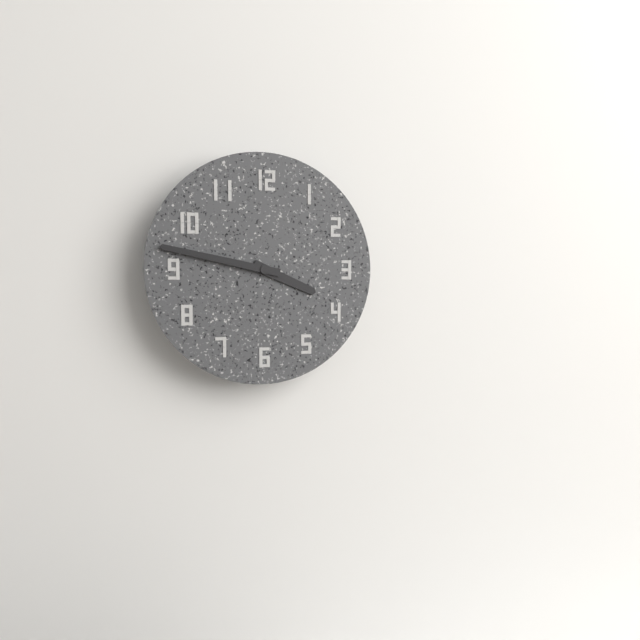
h=3 m=47
